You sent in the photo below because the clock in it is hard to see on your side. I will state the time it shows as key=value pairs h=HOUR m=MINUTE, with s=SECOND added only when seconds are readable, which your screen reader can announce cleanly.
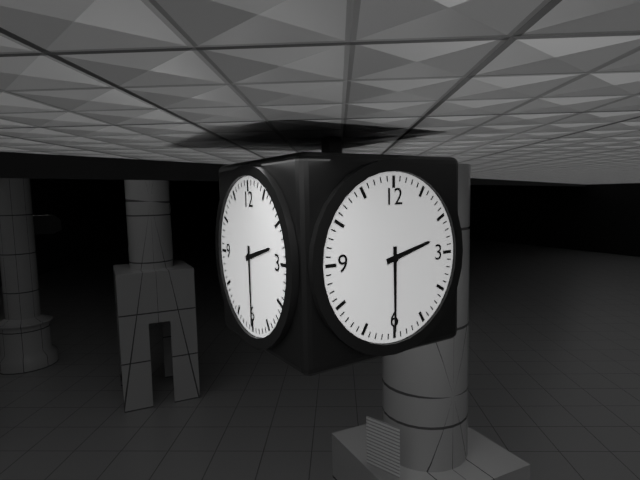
h=2 m=30
